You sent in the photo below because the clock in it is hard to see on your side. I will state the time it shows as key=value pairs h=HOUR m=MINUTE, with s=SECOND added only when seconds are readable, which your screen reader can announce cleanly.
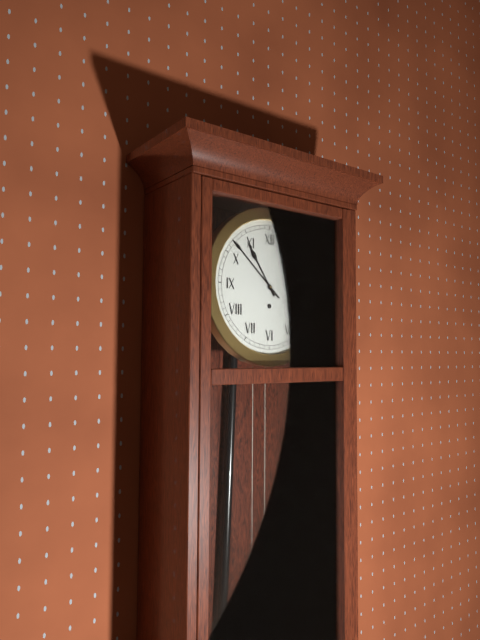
h=10 m=52
